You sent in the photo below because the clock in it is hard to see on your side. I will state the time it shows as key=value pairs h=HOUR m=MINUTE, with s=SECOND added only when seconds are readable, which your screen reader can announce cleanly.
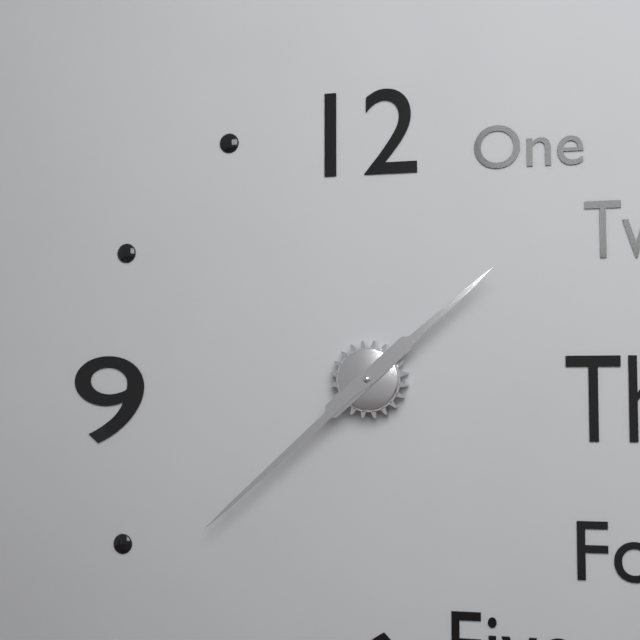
h=1 m=38
